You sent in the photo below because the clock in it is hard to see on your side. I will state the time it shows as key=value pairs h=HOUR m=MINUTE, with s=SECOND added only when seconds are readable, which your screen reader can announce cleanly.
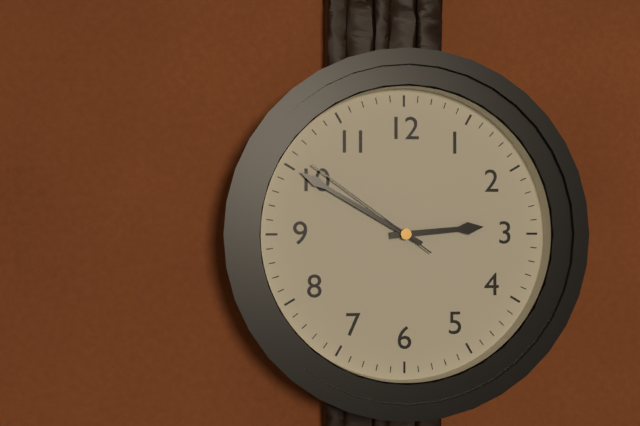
h=2 m=50 s=51
